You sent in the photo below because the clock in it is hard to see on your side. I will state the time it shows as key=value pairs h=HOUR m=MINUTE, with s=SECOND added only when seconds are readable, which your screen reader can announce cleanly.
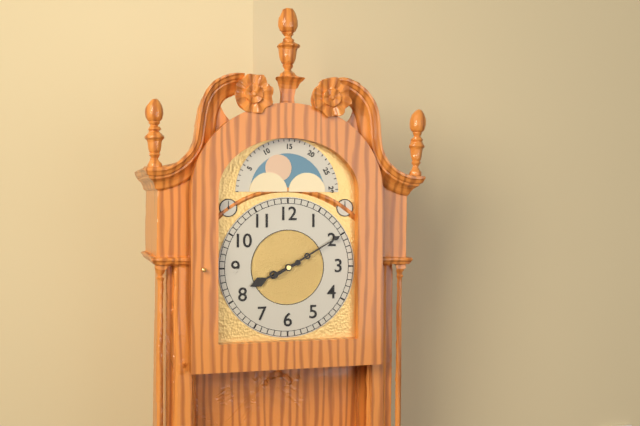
h=8 m=10
